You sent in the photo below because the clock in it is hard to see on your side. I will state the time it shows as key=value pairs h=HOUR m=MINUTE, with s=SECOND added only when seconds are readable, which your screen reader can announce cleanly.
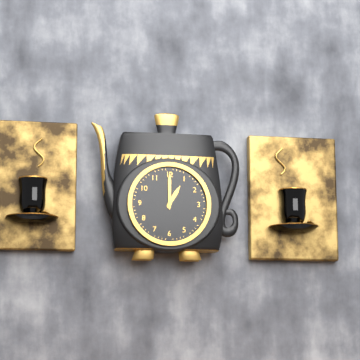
h=1 m=0
